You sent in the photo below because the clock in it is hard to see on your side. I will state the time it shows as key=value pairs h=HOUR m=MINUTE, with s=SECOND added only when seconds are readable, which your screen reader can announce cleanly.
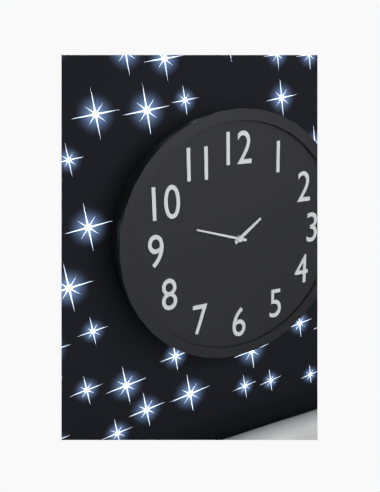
h=1 m=48
